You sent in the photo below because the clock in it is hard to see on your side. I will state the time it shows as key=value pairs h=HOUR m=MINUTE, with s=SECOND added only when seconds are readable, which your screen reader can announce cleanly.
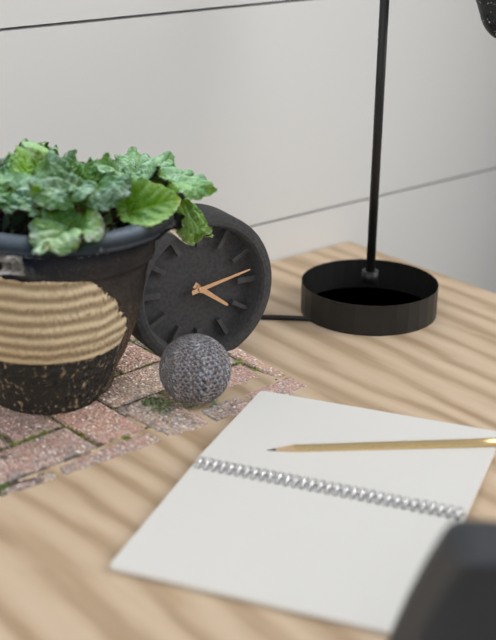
h=4 m=13
